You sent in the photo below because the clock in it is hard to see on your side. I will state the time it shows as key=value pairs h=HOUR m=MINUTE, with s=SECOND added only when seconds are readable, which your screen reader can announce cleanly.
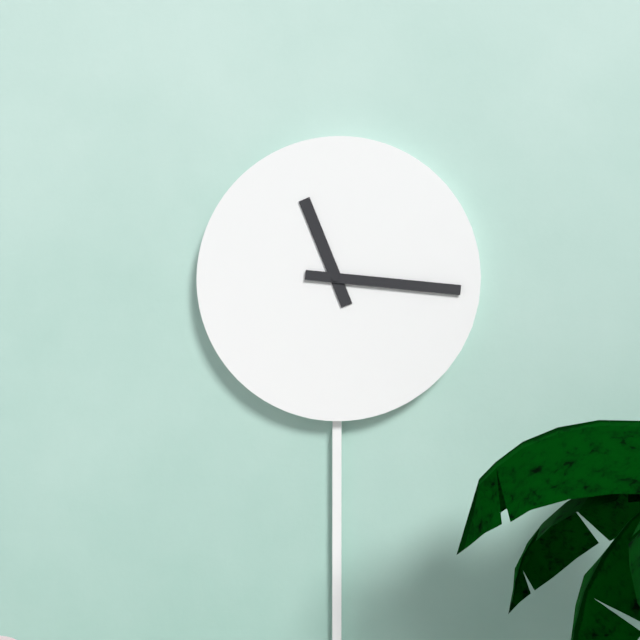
h=11 m=16
